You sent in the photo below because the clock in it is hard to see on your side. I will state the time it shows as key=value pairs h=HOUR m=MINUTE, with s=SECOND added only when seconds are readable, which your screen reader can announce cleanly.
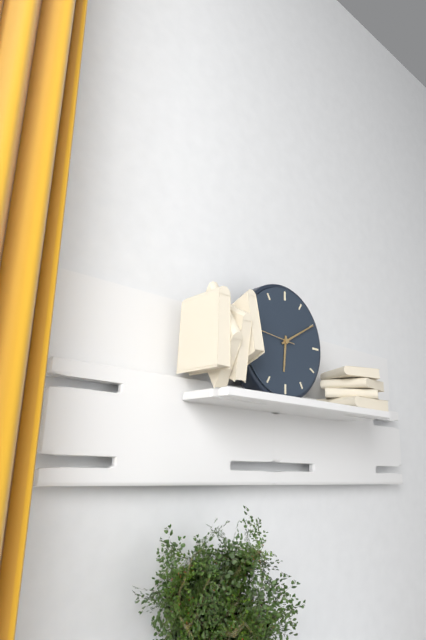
h=6 m=10
